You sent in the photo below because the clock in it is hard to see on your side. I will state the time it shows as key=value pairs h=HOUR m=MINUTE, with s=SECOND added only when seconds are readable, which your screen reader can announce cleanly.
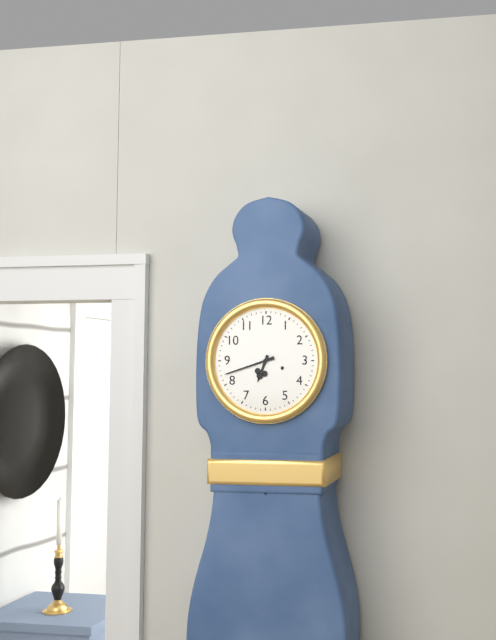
h=6 m=42
